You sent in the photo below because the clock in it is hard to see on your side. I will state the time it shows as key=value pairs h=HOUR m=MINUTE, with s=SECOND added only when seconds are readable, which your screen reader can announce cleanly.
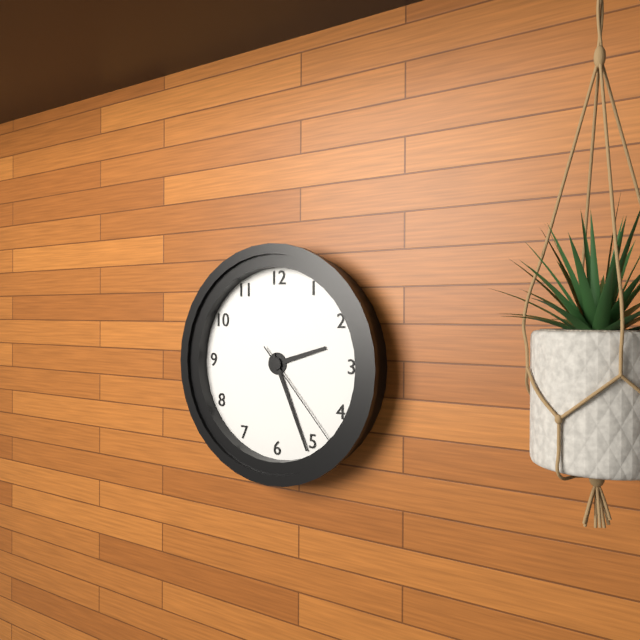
h=2 m=26 s=23
